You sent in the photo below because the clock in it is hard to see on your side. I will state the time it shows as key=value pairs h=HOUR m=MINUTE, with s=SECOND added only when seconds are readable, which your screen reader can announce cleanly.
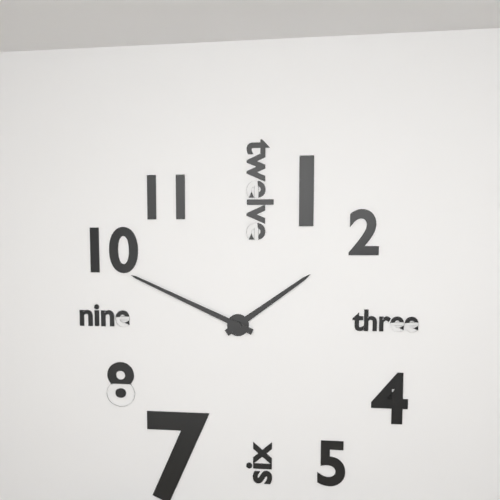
h=1 m=49
